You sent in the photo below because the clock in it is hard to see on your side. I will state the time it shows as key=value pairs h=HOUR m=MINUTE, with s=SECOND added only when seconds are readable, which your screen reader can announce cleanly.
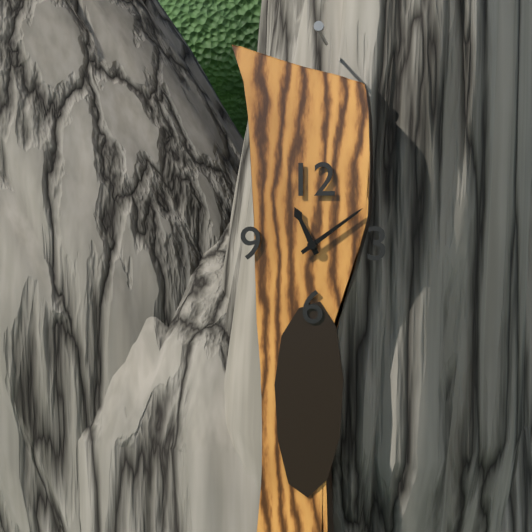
h=11 m=9
